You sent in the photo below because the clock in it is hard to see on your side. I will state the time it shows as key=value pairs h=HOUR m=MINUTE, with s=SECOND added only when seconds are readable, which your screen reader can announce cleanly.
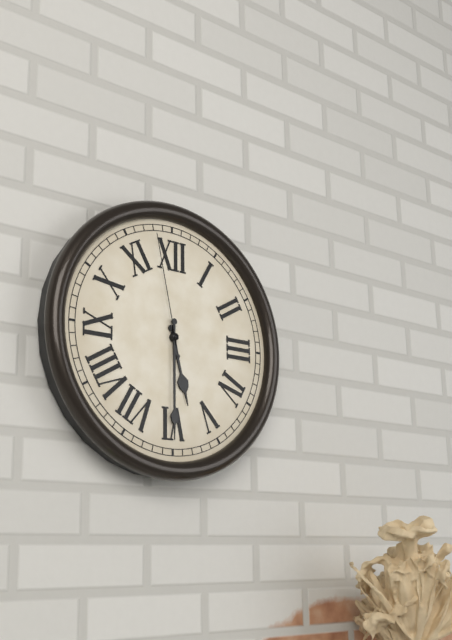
h=5 m=30 s=58
